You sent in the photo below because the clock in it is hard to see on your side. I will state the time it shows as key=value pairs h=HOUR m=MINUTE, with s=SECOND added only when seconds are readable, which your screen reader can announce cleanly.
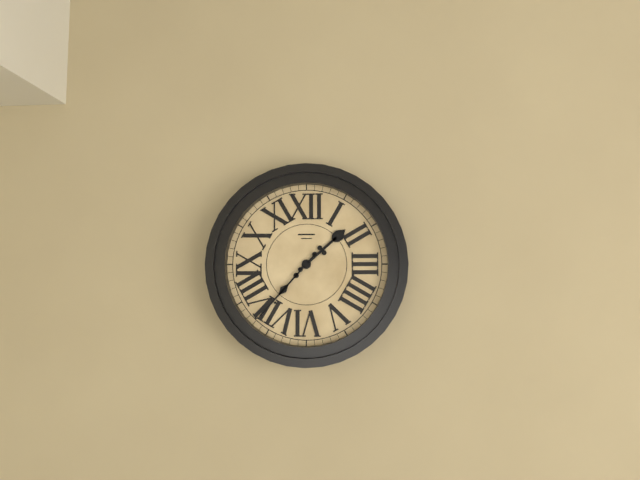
h=1 m=37
